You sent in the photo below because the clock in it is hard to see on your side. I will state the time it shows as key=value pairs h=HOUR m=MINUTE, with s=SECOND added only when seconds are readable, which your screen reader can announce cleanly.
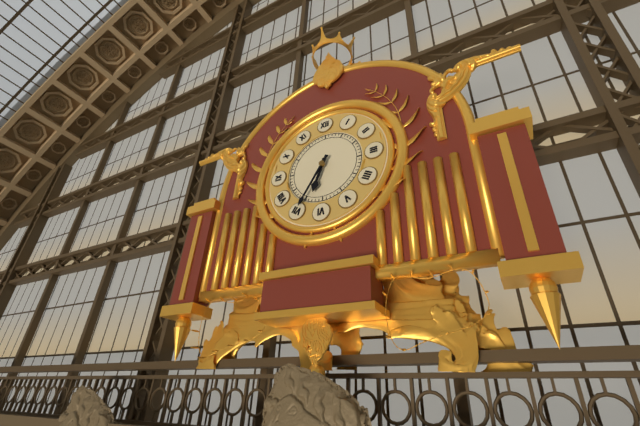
h=6 m=35
